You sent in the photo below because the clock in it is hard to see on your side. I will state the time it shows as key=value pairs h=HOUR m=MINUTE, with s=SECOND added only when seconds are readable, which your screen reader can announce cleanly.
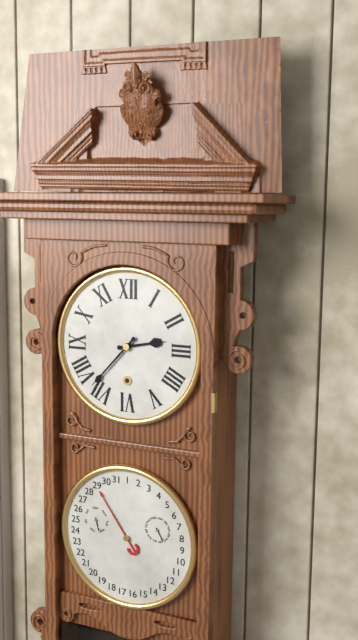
h=2 m=37
